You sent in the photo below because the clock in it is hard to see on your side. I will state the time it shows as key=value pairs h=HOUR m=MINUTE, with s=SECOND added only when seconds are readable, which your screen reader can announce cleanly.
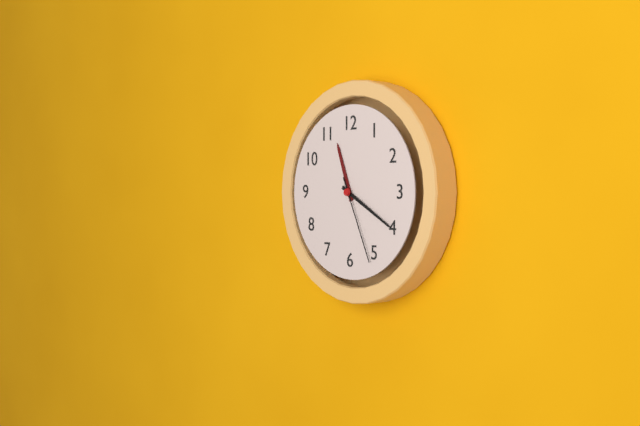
h=11 m=20 s=26
